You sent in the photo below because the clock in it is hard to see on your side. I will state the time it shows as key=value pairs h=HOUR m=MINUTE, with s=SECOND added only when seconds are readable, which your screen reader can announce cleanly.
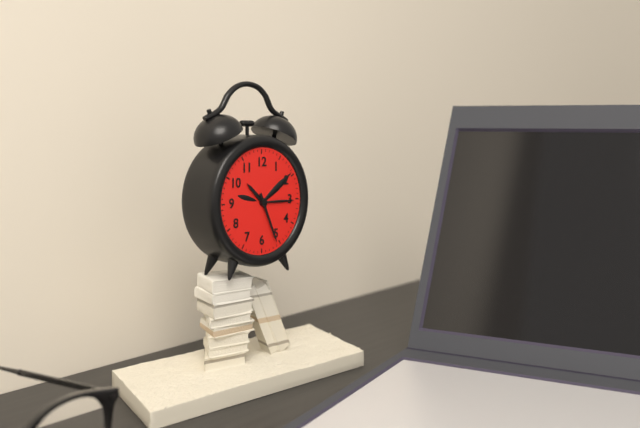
h=10 m=26
